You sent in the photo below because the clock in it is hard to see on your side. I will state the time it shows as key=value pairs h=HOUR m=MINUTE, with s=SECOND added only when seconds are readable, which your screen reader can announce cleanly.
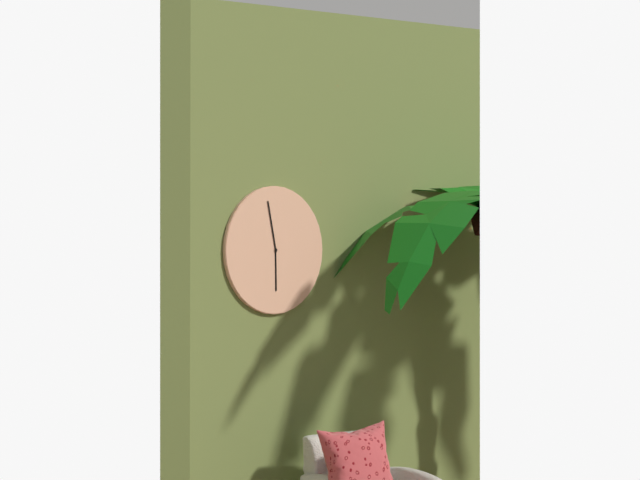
h=5 m=58
